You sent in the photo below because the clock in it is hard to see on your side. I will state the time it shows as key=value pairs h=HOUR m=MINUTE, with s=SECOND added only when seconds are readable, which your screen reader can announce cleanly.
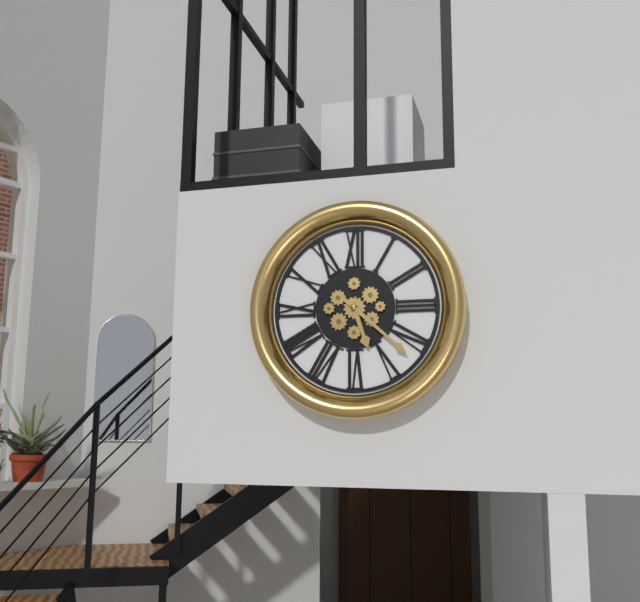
h=5 m=22
